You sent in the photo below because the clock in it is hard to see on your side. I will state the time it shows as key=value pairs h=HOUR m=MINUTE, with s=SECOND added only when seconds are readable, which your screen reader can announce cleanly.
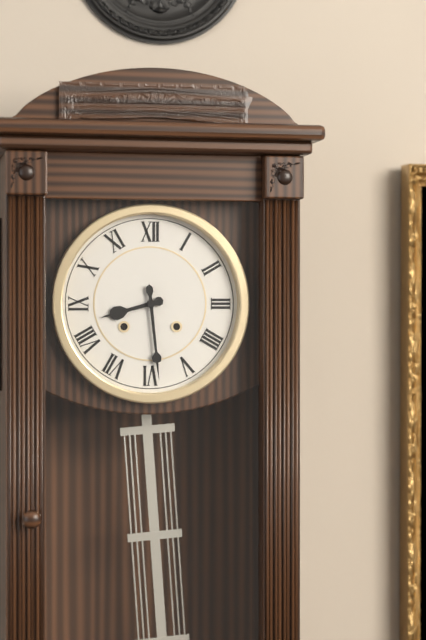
h=8 m=29
